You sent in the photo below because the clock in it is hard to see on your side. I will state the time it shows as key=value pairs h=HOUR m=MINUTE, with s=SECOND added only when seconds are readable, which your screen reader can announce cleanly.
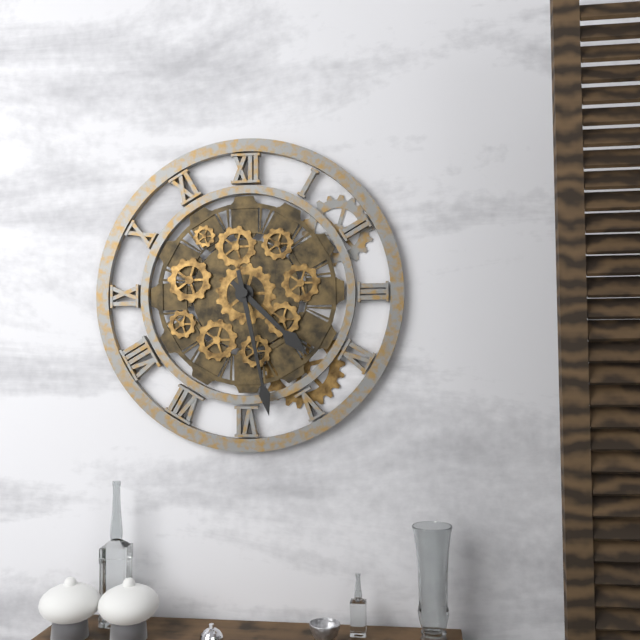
h=4 m=28
